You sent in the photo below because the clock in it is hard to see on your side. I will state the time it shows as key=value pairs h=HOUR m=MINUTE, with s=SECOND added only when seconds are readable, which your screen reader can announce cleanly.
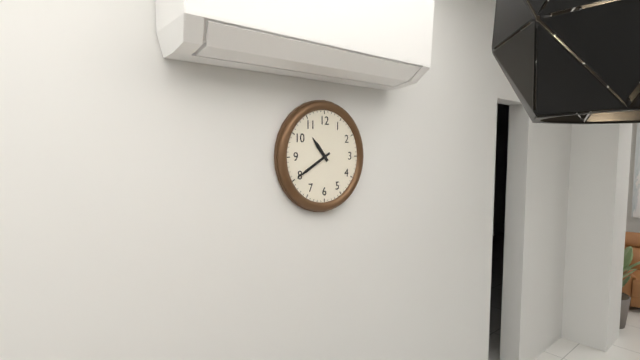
h=10 m=40
